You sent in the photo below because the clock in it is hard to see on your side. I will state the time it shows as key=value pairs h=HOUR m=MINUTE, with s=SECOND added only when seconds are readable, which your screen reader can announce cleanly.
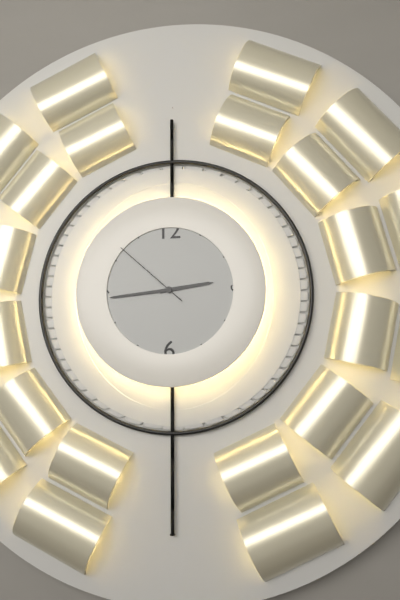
h=2 m=44 s=52
